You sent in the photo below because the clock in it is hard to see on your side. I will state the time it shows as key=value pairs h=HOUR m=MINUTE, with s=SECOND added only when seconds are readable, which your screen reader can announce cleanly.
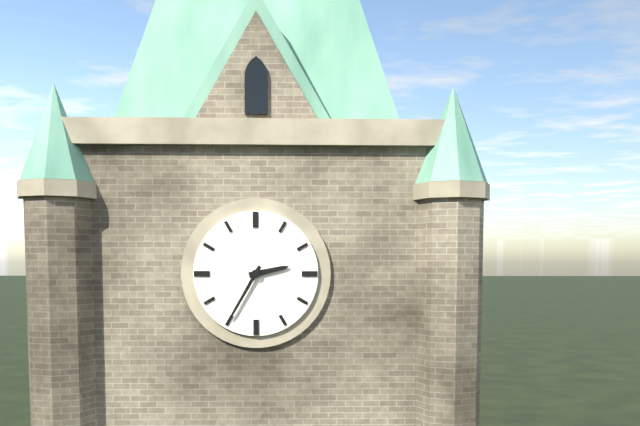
h=2 m=35
